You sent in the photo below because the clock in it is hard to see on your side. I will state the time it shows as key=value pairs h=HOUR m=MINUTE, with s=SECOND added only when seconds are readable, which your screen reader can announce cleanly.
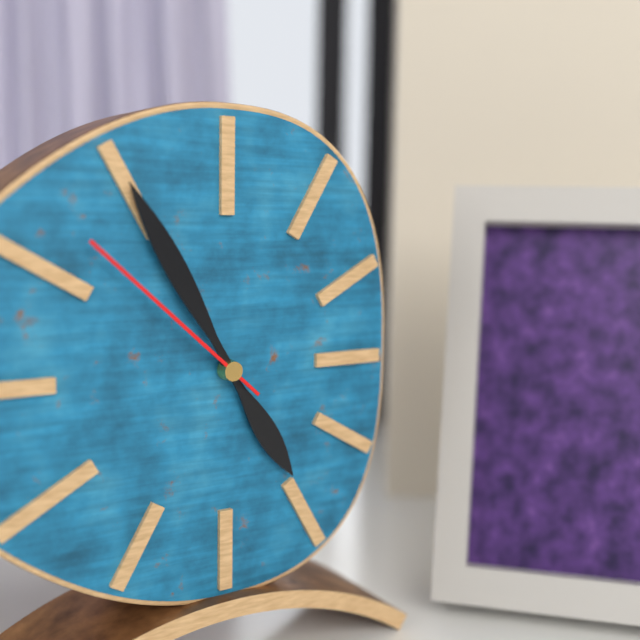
h=4 m=55 s=52
